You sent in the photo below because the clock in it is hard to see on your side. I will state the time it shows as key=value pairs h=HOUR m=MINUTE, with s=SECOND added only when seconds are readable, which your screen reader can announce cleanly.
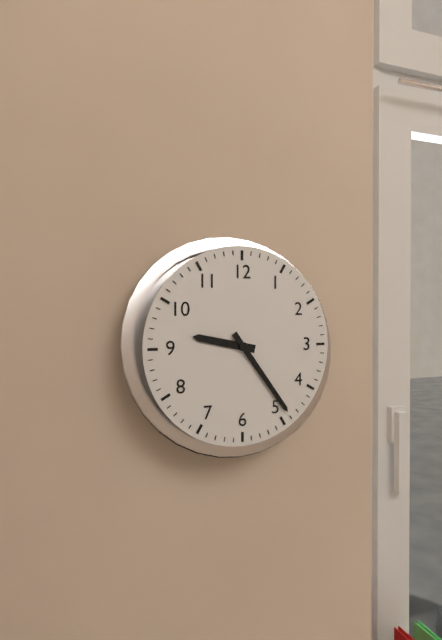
h=9 m=24
